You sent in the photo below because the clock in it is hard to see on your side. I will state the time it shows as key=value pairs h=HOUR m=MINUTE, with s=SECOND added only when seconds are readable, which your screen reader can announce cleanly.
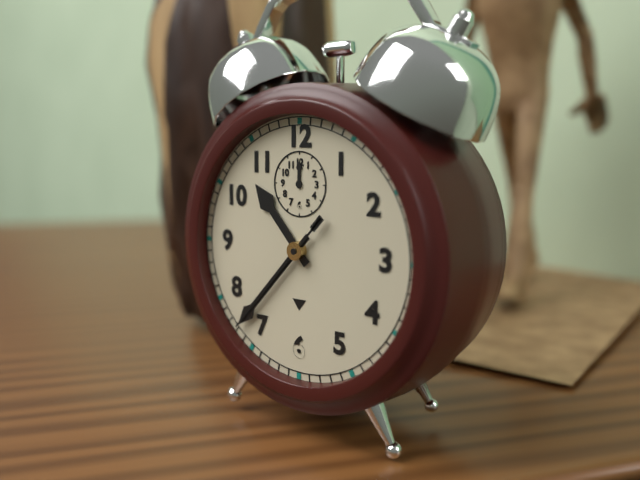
h=10 m=37 s=37
